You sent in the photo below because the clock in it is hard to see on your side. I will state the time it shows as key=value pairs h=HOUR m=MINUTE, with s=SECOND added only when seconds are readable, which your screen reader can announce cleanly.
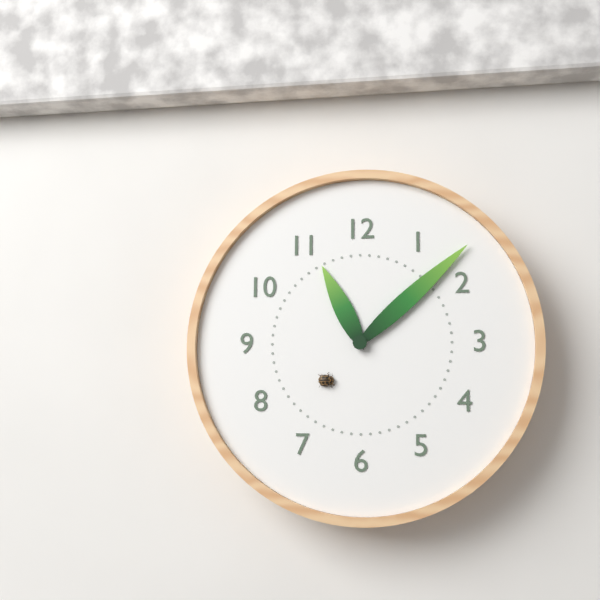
h=11 m=8
